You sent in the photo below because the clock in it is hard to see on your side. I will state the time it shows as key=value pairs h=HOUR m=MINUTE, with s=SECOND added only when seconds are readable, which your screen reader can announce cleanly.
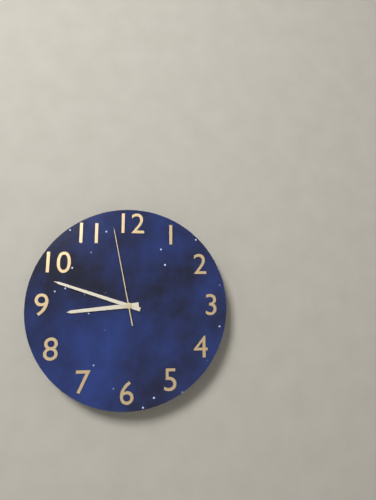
h=8 m=48 s=58
